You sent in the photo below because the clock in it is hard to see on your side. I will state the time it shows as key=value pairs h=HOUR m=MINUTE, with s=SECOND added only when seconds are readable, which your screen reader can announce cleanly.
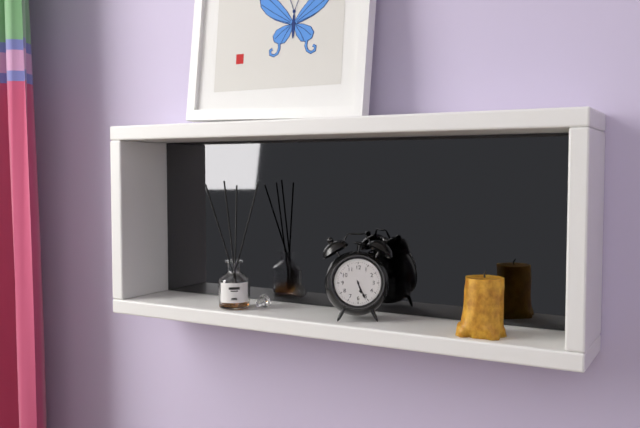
h=5 m=26
